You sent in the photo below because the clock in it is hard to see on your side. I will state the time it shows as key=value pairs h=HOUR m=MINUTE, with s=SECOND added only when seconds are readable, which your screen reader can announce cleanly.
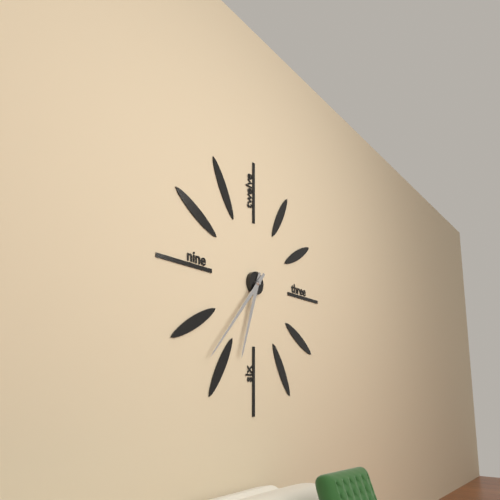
h=6 m=37
